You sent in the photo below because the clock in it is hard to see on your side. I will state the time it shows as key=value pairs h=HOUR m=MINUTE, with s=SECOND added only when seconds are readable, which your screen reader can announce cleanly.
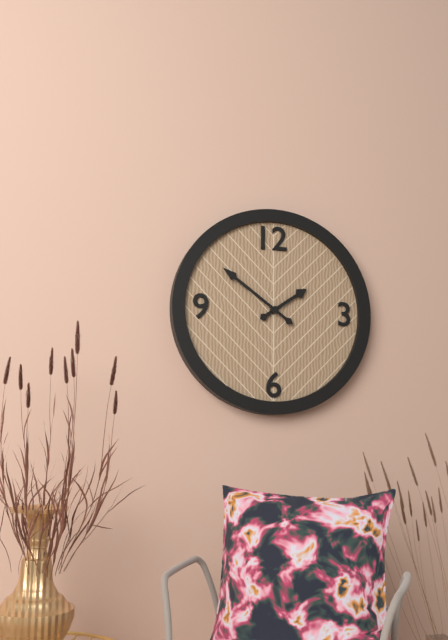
h=1 m=51
